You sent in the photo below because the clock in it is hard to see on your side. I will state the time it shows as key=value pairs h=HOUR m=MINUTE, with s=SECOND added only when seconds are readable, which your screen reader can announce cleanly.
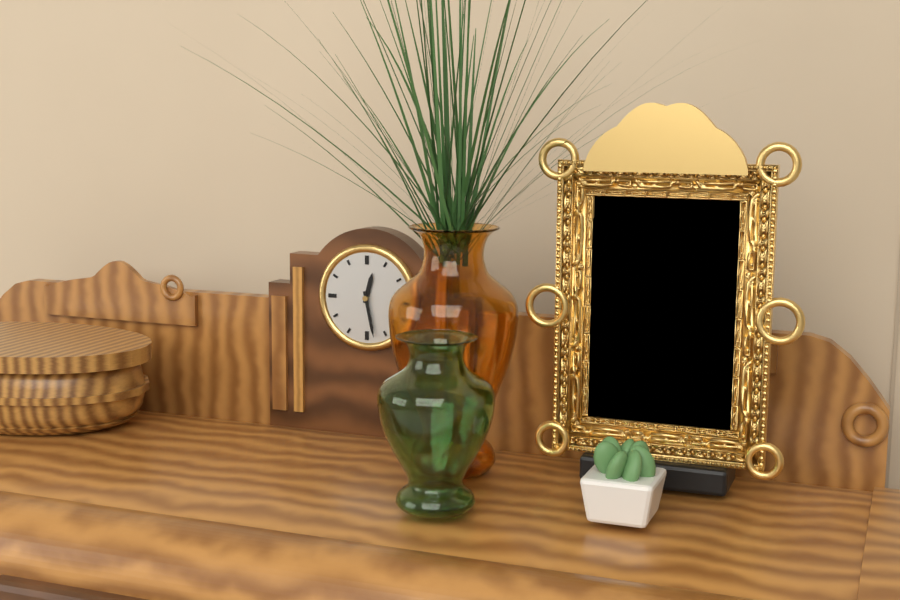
h=12 m=28
